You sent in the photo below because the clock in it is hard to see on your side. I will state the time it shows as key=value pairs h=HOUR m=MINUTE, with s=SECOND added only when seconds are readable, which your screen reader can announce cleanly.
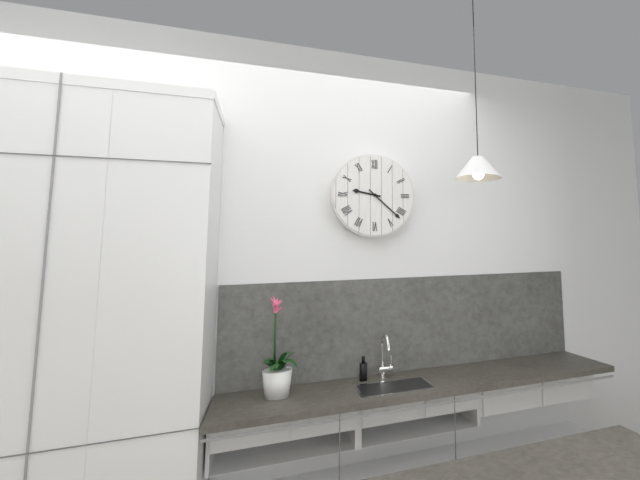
h=9 m=22
